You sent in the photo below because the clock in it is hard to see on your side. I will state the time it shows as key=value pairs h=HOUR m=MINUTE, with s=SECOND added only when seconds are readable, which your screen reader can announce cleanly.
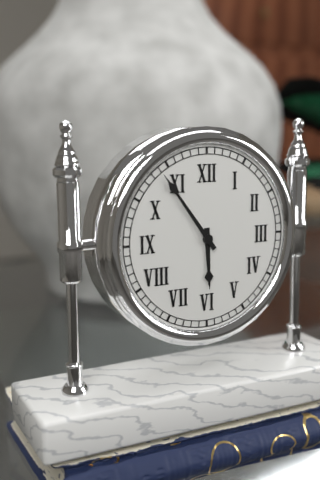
h=5 m=54
